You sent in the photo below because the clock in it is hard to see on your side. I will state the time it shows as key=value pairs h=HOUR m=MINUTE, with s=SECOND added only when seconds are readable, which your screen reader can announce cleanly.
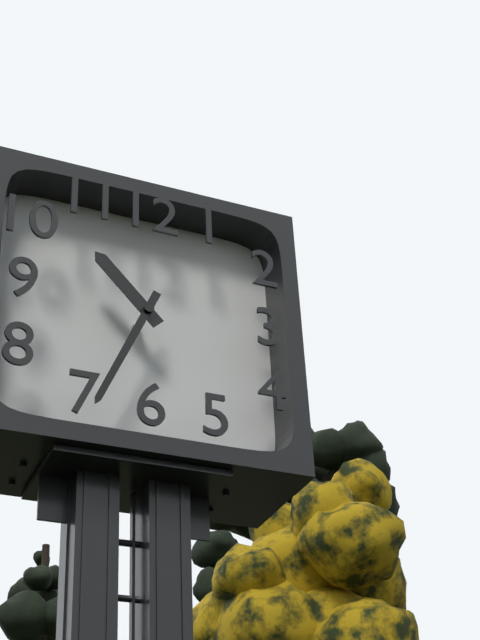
h=10 m=34
